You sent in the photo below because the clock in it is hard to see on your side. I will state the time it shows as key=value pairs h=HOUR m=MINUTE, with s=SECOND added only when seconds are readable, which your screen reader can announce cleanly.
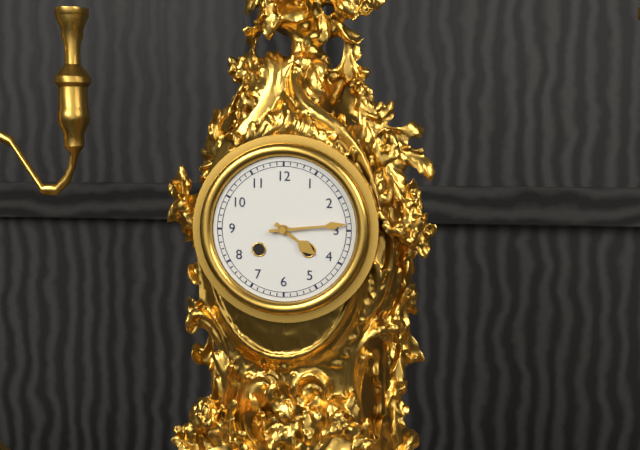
h=4 m=14
